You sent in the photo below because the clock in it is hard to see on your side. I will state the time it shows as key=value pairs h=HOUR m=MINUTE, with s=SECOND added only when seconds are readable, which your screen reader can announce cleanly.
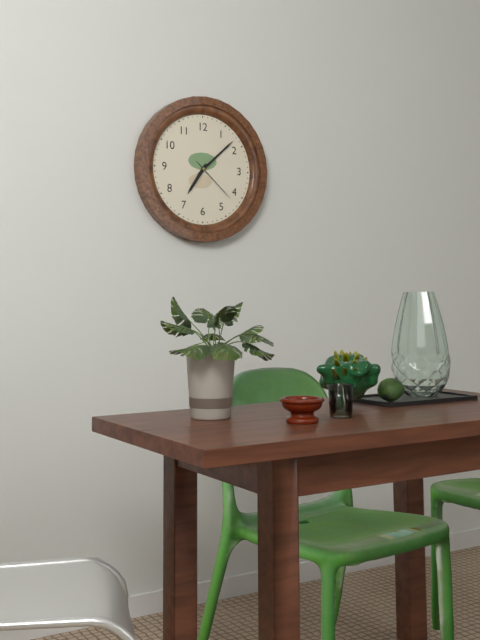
h=7 m=8
